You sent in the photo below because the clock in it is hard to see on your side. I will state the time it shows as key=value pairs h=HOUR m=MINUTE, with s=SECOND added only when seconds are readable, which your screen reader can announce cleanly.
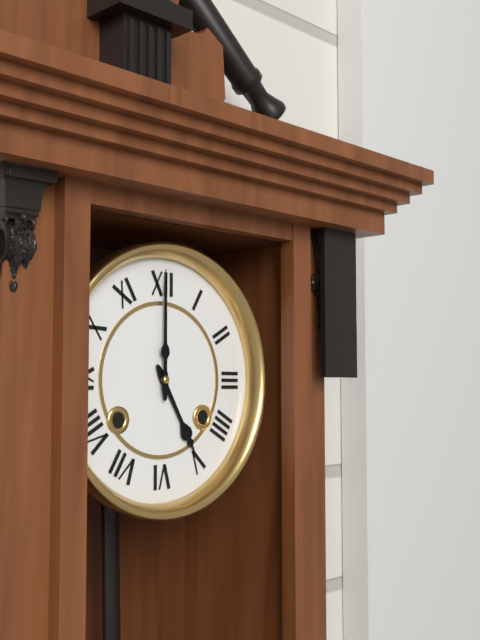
h=5 m=0
